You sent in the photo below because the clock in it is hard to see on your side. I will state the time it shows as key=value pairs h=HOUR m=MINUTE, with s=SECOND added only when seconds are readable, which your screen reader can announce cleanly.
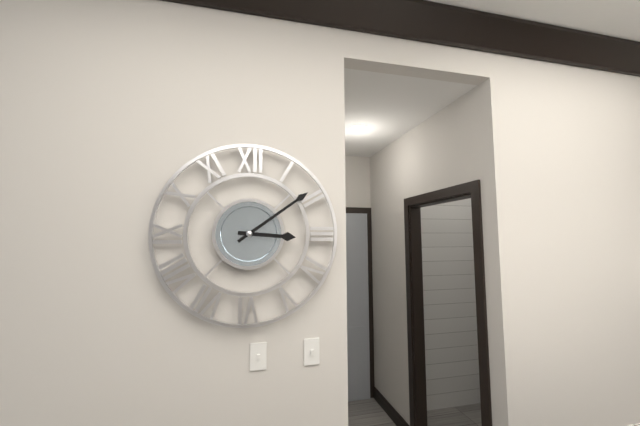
h=3 m=9
